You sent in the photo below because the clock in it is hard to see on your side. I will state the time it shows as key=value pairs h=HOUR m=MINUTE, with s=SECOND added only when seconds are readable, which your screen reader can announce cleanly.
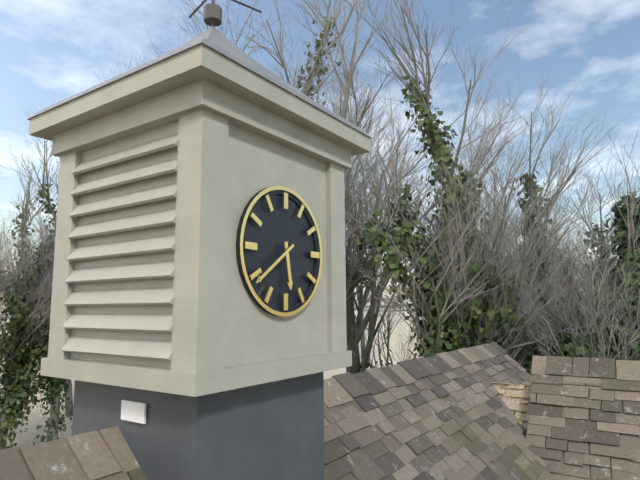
h=5 m=39
